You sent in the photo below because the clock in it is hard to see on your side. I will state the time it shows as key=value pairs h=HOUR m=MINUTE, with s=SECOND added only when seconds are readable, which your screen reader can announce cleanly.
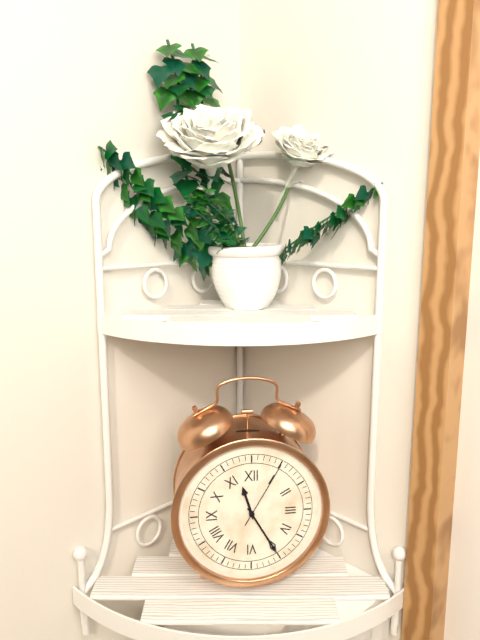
h=11 m=25 s=5
